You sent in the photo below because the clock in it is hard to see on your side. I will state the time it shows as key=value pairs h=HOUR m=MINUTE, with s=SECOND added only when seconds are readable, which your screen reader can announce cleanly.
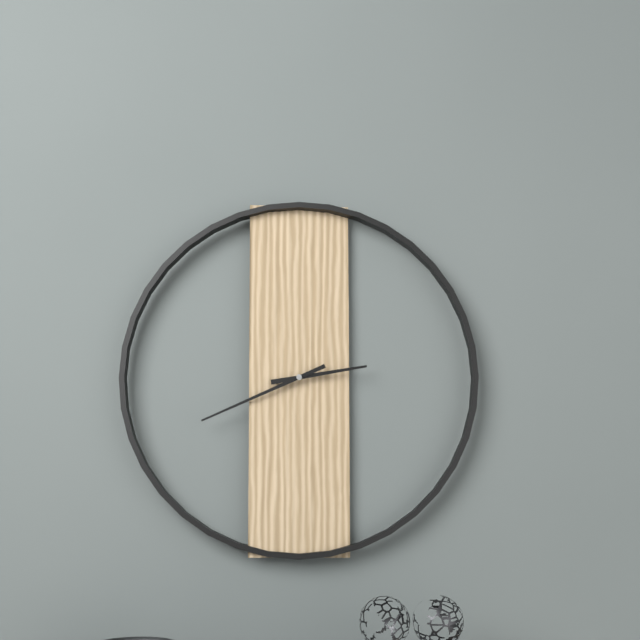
h=2 m=41
